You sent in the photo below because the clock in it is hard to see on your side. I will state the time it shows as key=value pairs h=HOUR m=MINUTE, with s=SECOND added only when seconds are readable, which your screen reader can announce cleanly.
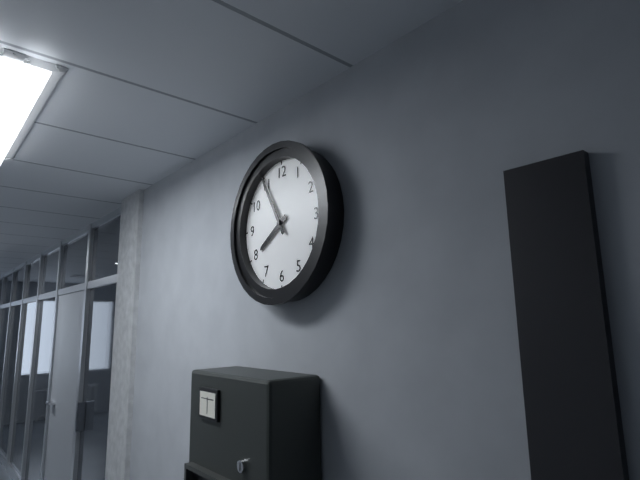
h=7 m=55
